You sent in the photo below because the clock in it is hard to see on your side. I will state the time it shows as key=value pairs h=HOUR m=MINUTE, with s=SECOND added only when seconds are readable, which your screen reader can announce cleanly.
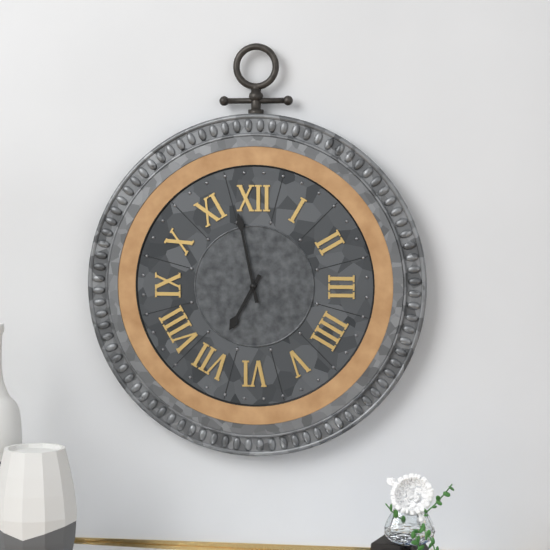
h=6 m=58
